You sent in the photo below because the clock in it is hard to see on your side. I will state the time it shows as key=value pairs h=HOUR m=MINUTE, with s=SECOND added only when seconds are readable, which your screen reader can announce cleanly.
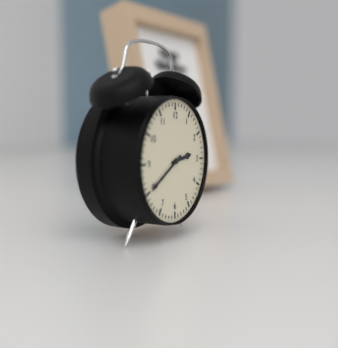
h=2 m=40
